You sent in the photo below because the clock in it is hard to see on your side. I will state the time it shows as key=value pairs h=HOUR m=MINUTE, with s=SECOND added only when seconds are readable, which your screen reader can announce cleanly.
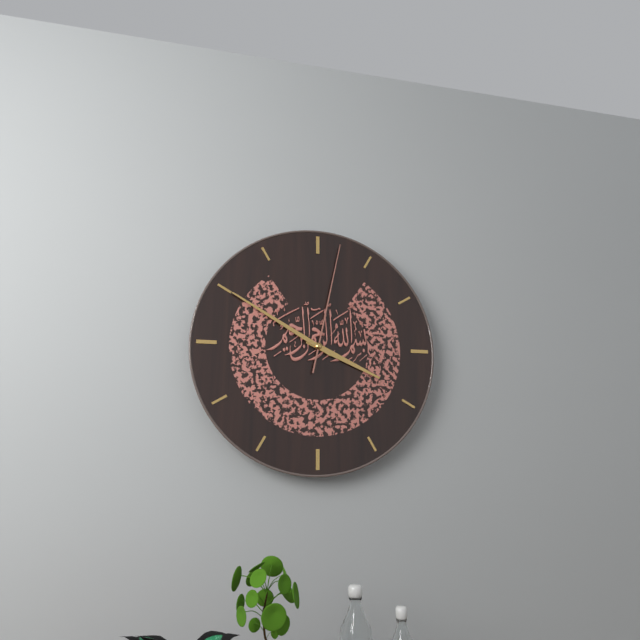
h=3 m=50 s=2
